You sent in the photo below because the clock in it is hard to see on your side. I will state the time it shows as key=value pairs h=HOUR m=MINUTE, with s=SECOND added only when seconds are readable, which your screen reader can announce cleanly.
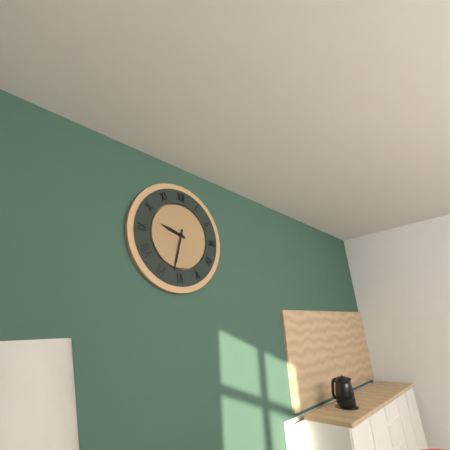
h=9 m=32
